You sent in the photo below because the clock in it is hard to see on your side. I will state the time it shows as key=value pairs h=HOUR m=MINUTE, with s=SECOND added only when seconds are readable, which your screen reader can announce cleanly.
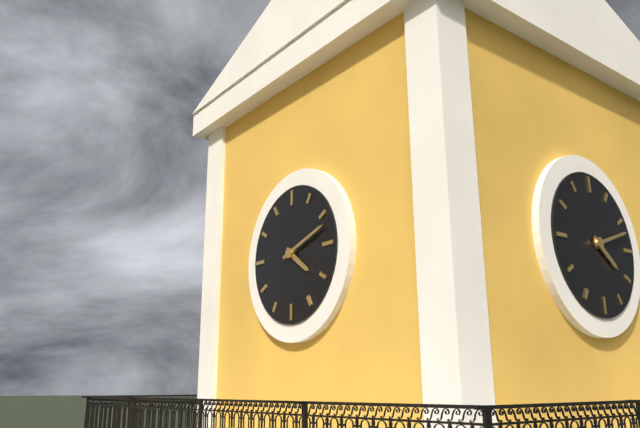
h=4 m=12
